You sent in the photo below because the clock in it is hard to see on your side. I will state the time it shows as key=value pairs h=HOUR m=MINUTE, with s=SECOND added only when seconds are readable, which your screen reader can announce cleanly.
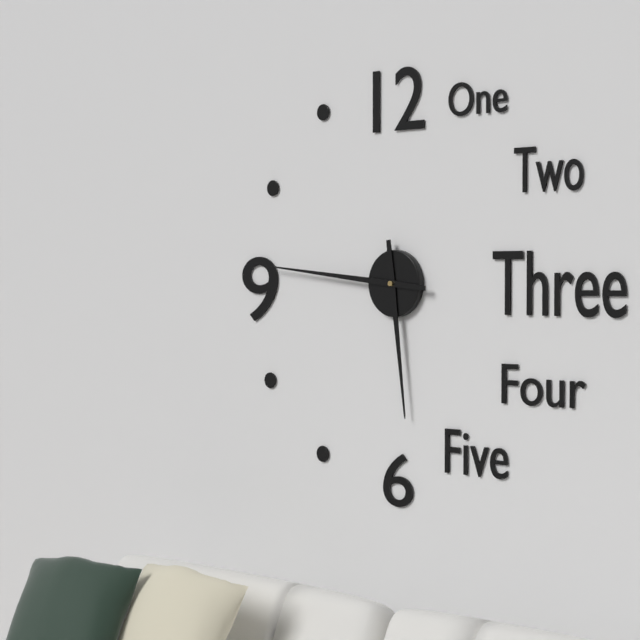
h=5 m=46
